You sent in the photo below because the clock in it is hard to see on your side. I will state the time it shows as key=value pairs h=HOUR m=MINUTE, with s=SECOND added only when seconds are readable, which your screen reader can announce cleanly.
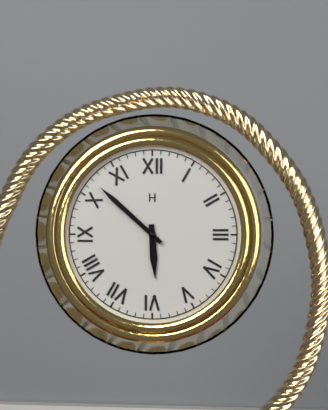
h=5 m=52
